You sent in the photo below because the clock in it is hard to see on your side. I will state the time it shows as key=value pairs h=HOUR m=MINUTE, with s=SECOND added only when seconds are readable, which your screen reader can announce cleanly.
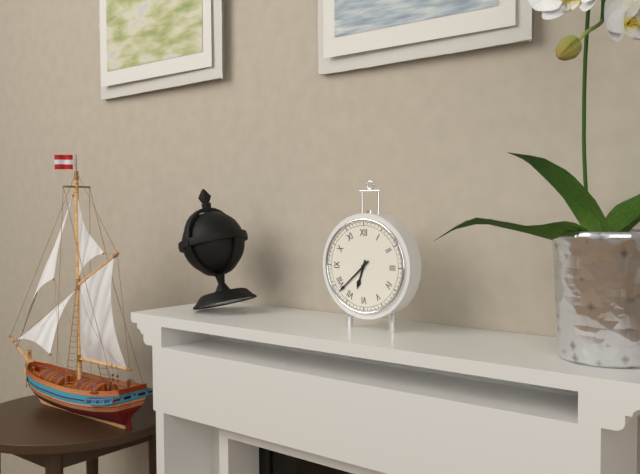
h=6 m=38
